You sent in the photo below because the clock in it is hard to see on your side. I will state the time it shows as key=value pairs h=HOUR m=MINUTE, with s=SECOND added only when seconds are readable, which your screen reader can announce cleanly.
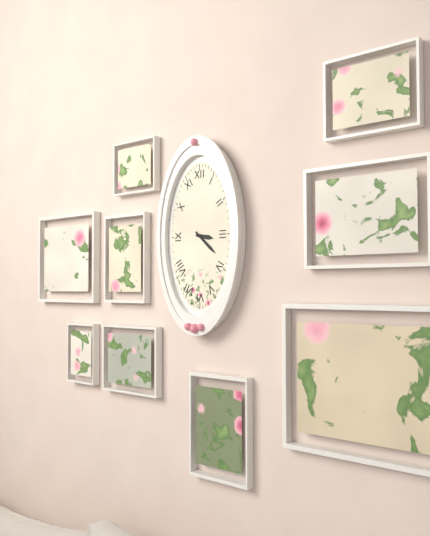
h=3 m=22
